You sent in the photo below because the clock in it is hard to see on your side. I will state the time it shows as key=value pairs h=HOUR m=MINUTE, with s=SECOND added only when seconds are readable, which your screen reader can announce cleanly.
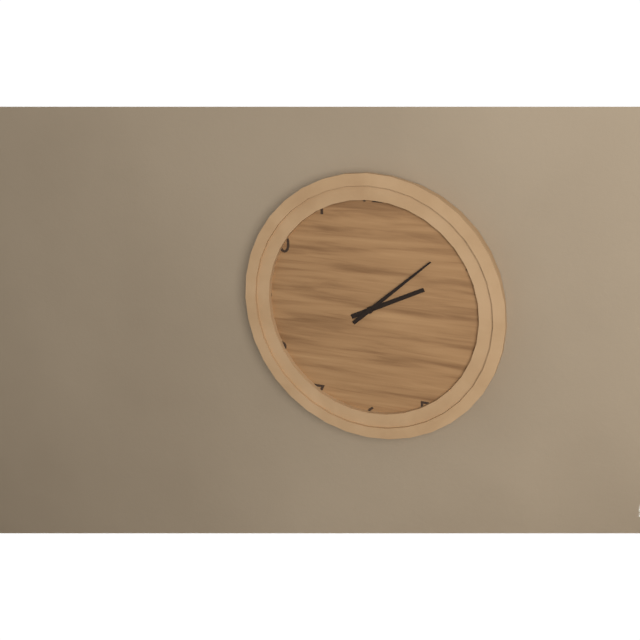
h=2 m=8
